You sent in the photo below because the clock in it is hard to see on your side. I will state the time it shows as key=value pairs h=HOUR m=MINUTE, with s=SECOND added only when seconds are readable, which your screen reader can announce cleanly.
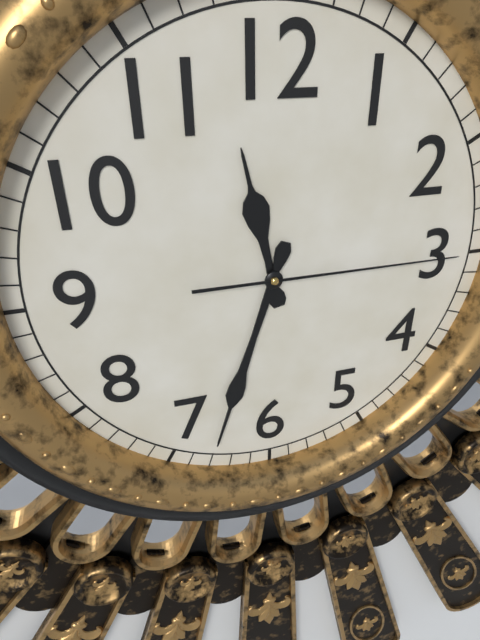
h=11 m=33 s=15
